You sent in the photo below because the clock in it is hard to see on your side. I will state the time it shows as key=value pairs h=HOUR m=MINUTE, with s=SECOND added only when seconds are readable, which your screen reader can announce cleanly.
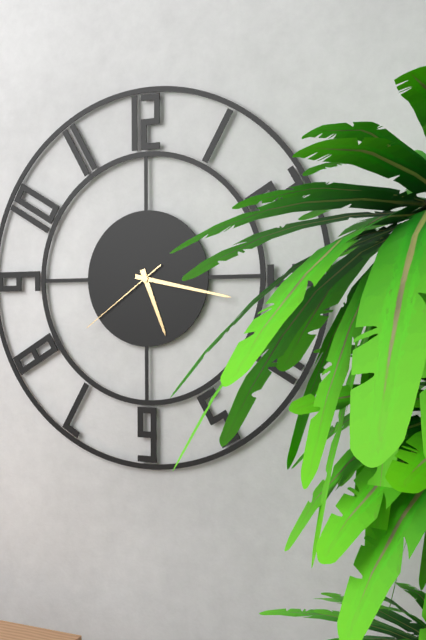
h=5 m=17 s=39
